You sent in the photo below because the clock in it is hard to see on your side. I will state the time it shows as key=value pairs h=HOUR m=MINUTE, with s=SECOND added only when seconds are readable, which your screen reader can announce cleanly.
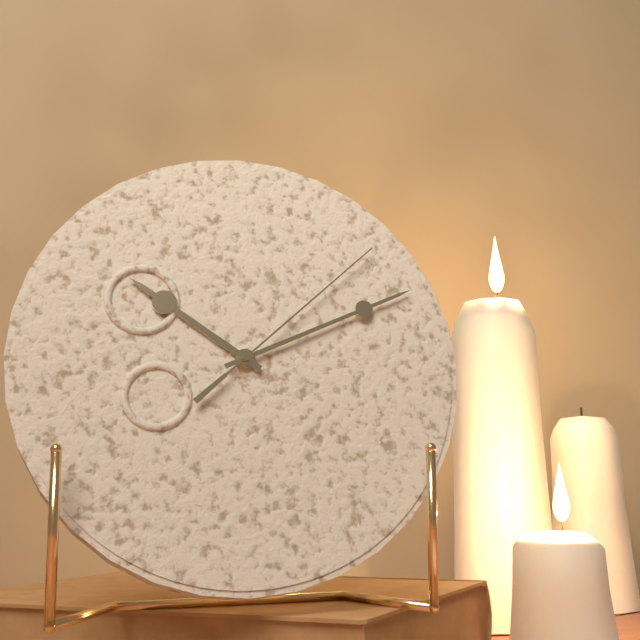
h=10 m=11 s=8
